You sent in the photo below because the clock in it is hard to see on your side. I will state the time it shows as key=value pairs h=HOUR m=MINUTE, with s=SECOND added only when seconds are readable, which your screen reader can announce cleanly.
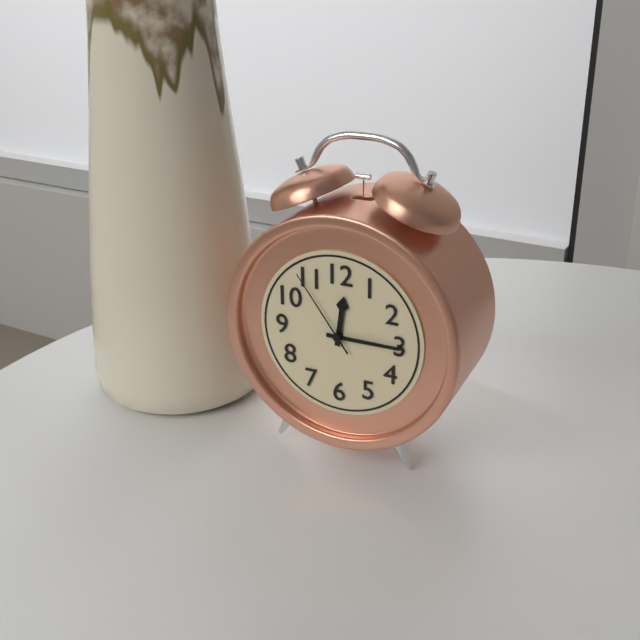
h=12 m=15 s=54
